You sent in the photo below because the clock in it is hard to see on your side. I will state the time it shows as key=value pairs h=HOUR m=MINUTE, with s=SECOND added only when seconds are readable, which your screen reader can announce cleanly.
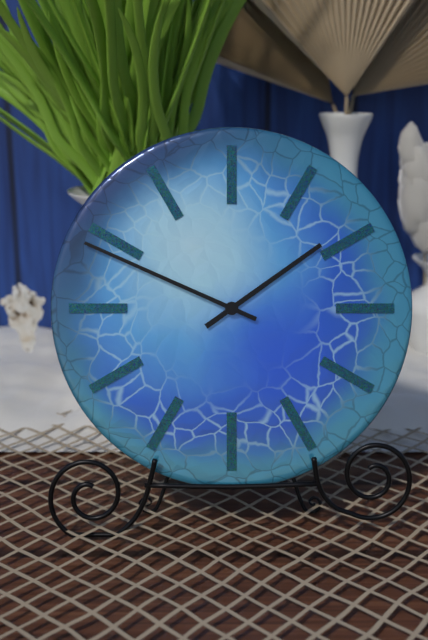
h=1 m=49
